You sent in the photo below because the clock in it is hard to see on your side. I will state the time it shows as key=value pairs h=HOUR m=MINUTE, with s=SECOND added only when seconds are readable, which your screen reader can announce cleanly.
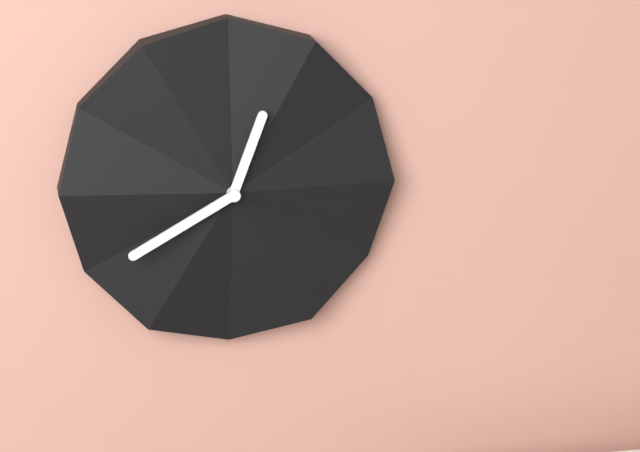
h=12 m=40
